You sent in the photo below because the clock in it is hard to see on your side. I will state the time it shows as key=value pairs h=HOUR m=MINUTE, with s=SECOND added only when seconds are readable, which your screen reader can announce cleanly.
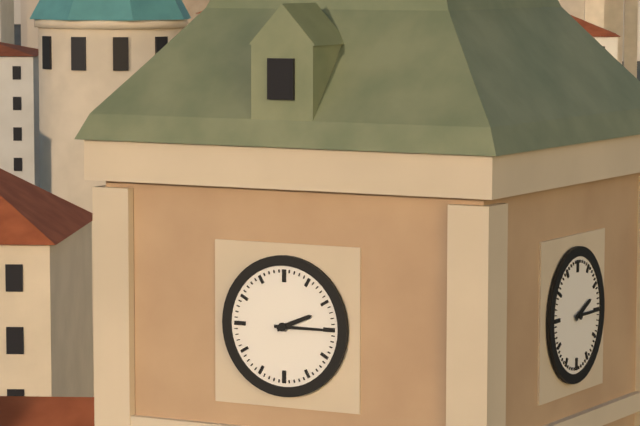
h=2 m=15
